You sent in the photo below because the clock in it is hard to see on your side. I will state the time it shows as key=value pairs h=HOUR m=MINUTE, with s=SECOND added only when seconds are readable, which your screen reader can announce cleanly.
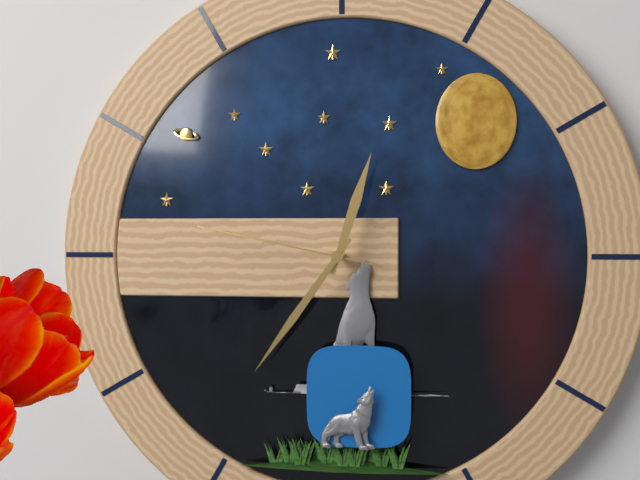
h=12 m=36 s=47
